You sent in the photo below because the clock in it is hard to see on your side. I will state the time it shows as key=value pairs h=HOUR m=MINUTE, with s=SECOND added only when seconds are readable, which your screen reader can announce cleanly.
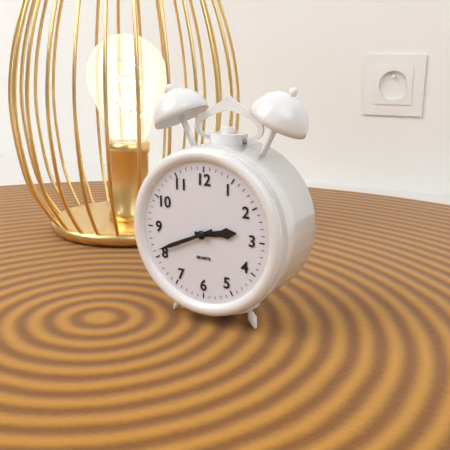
h=2 m=41
